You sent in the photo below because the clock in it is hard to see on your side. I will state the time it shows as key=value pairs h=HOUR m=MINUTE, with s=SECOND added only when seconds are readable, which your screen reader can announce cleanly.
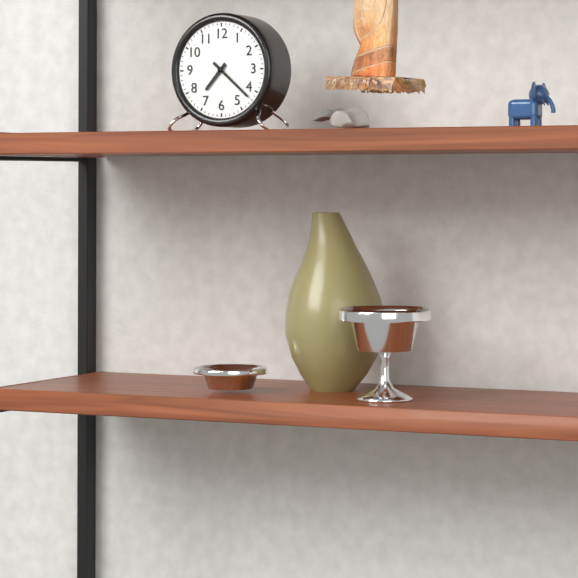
h=7 m=22
